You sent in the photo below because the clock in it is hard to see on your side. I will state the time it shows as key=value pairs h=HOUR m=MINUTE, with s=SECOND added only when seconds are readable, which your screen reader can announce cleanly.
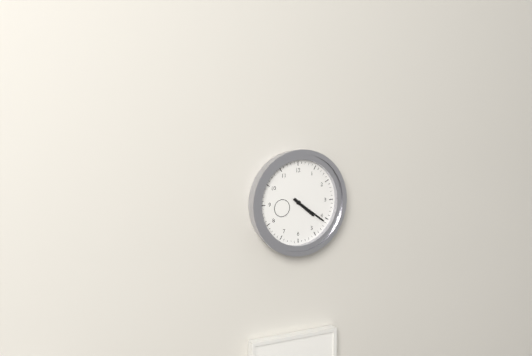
h=4 m=21
